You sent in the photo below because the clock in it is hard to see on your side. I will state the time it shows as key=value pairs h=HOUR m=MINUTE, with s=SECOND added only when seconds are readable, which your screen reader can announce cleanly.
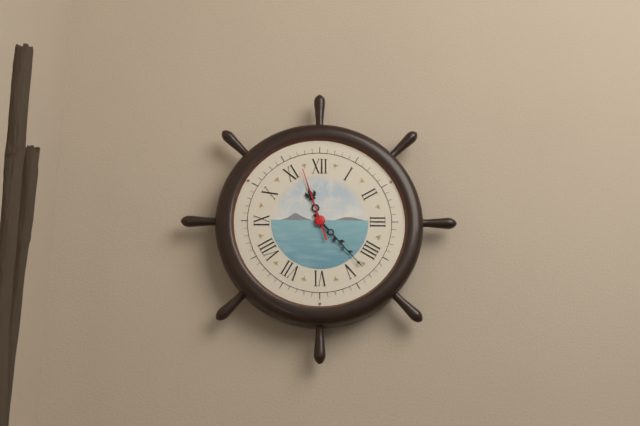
h=11 m=23 s=57
